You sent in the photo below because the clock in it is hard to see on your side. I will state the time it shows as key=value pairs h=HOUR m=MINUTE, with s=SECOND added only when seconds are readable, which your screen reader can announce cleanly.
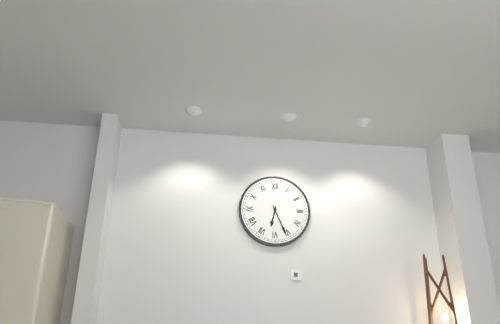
h=6 m=26
